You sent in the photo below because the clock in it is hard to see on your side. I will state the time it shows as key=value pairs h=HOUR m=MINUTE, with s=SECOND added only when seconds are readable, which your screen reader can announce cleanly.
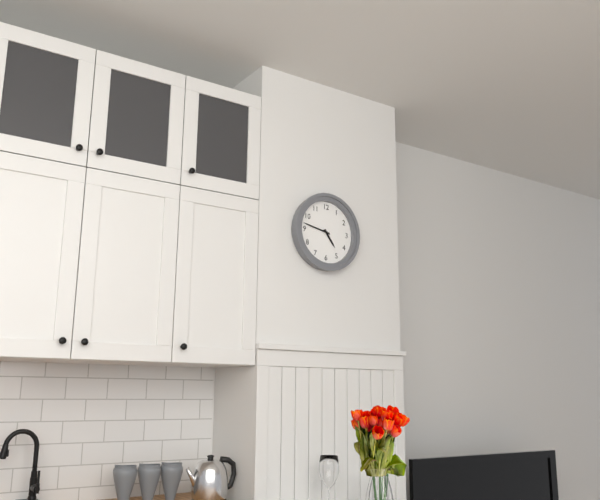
h=4 m=47
